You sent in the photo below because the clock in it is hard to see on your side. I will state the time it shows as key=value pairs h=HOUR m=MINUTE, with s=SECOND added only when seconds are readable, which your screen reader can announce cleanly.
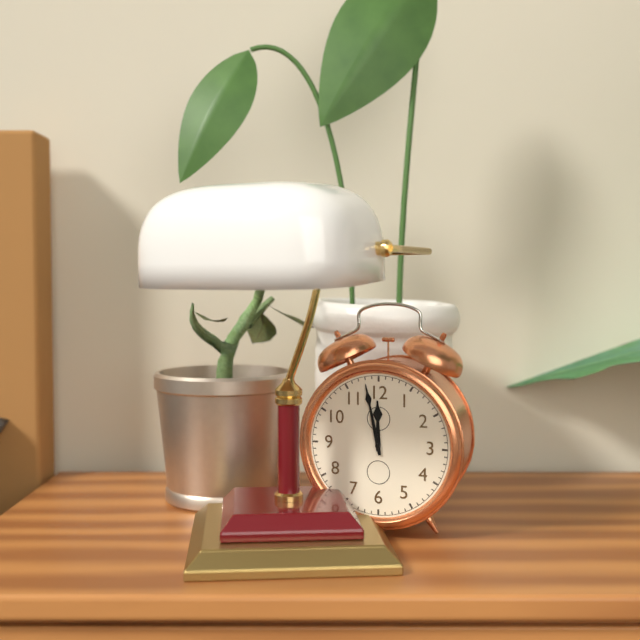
h=11 m=58
